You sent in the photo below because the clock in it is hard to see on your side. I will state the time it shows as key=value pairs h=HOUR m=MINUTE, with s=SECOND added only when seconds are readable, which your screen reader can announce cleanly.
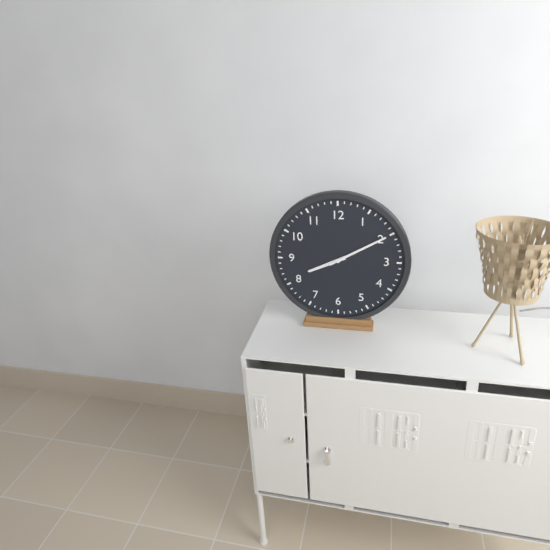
h=8 m=10
